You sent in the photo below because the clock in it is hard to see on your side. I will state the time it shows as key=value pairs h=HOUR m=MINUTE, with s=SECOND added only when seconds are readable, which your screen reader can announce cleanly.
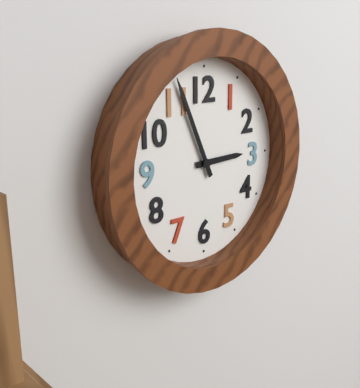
h=2 m=56
